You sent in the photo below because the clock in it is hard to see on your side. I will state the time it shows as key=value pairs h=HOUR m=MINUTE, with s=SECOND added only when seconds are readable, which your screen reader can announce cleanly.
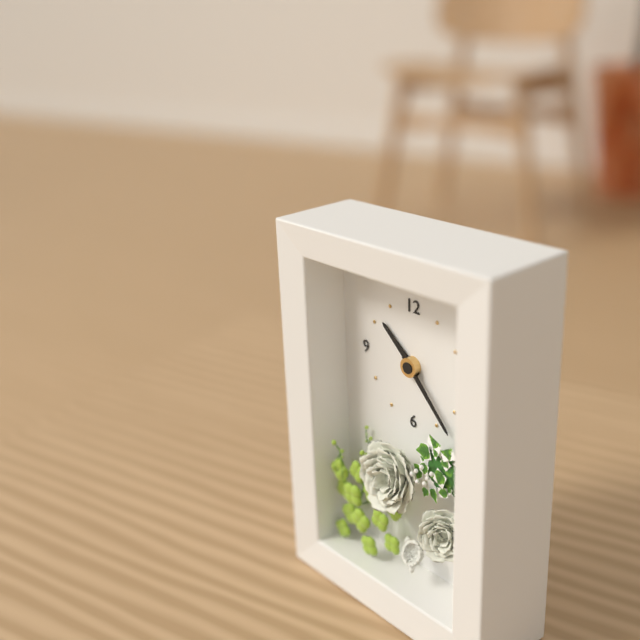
h=10 m=23
